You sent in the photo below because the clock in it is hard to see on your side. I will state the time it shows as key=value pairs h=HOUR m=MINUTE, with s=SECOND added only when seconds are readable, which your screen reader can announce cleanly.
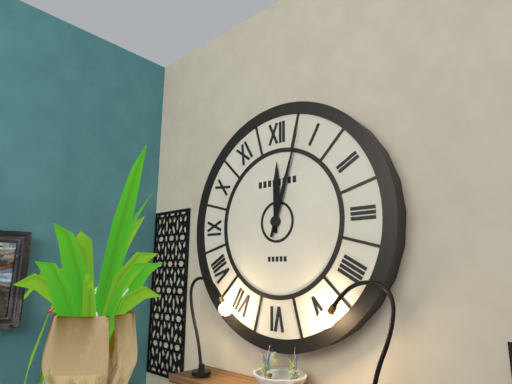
h=12 m=3
